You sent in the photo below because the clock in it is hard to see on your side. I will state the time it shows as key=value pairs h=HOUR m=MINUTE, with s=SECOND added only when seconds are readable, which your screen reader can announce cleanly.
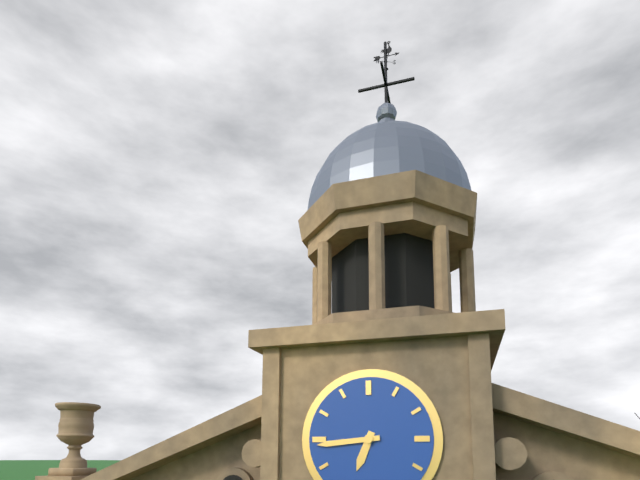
h=6 m=44
